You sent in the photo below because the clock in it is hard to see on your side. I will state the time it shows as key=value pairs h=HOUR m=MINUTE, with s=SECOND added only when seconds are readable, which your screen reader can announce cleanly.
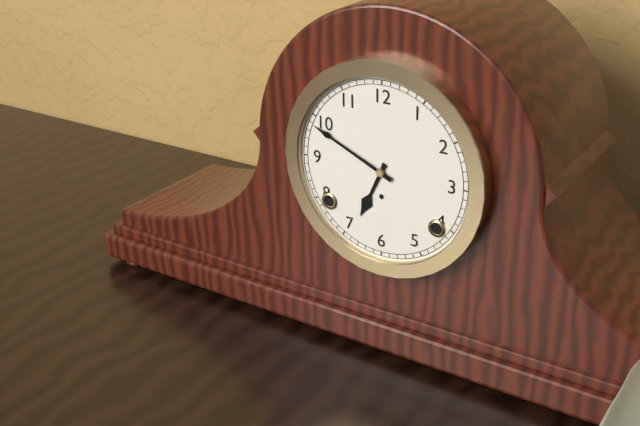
h=6 m=49
